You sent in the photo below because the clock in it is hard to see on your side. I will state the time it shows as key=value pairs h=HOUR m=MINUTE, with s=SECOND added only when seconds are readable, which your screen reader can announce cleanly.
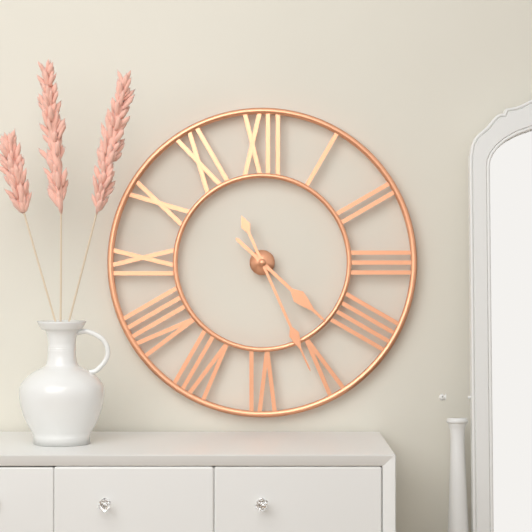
h=4 m=26
